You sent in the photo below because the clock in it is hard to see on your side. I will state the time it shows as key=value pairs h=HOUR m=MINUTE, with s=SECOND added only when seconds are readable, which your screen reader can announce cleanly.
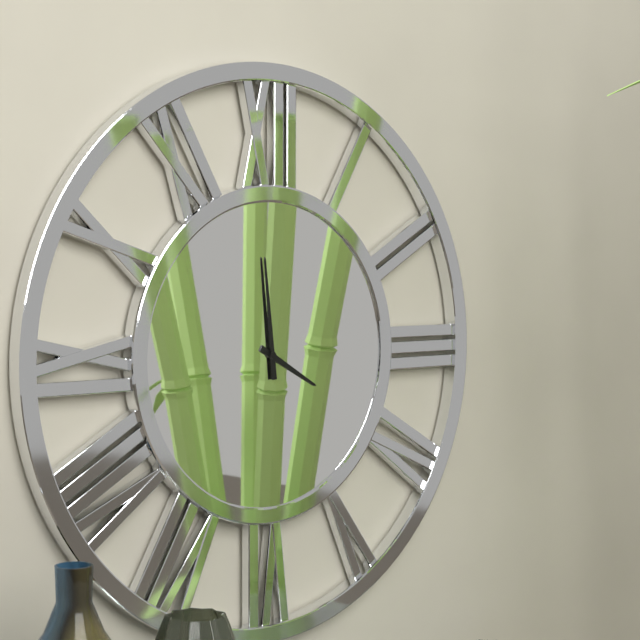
h=3 m=59
